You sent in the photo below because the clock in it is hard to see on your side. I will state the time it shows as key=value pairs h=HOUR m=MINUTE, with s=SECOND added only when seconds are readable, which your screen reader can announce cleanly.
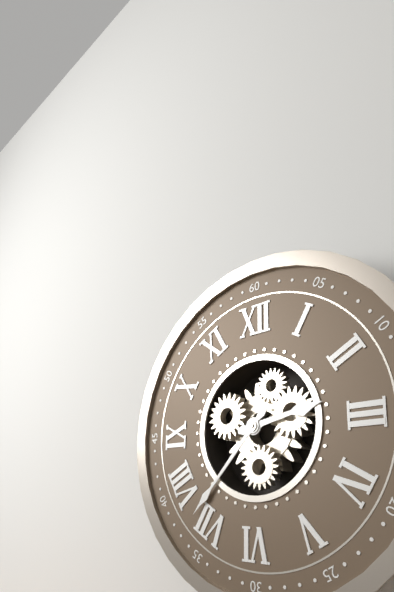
h=2 m=37
